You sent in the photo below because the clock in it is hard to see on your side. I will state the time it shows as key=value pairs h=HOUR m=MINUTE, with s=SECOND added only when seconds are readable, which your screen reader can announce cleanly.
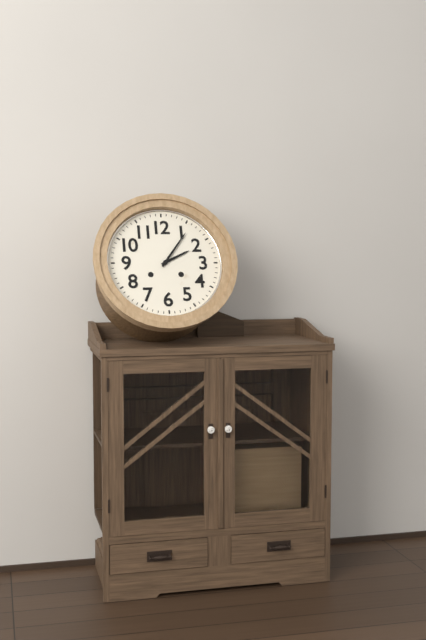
h=2 m=6
